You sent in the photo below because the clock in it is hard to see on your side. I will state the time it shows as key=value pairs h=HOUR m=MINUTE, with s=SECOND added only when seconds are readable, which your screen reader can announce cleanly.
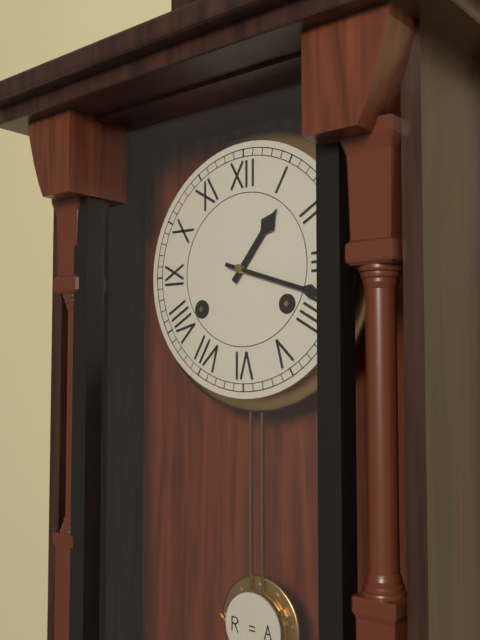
h=1 m=18
